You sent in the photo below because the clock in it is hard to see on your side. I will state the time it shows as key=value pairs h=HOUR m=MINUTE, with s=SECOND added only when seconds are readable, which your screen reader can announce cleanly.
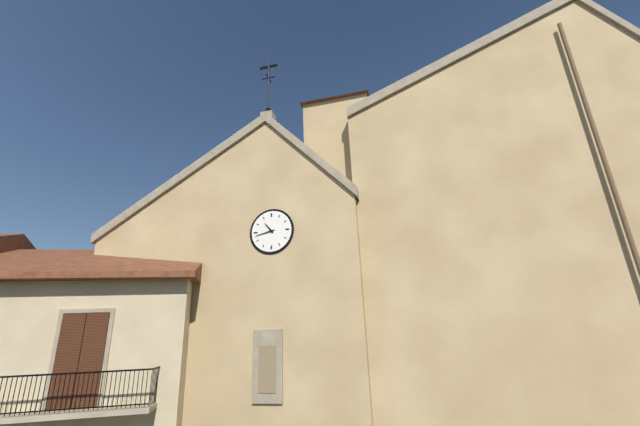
h=10 m=43
